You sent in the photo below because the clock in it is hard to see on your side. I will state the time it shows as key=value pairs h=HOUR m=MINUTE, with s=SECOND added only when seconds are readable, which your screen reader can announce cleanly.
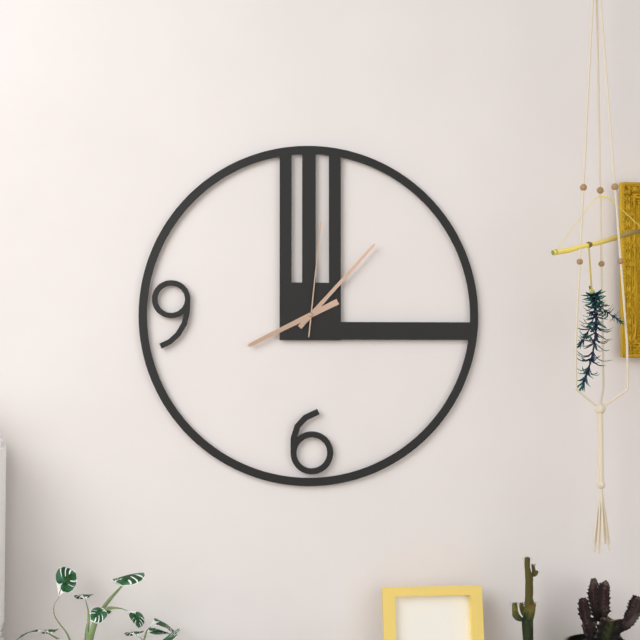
h=8 m=7 s=1
